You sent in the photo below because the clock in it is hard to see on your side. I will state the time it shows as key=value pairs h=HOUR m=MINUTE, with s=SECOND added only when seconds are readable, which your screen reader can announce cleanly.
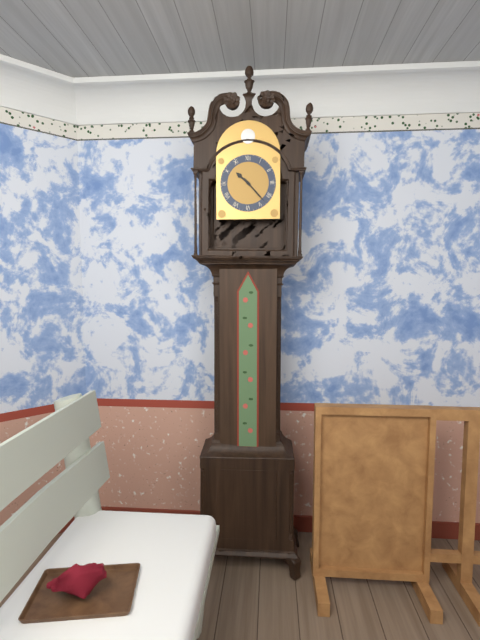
h=10 m=23
